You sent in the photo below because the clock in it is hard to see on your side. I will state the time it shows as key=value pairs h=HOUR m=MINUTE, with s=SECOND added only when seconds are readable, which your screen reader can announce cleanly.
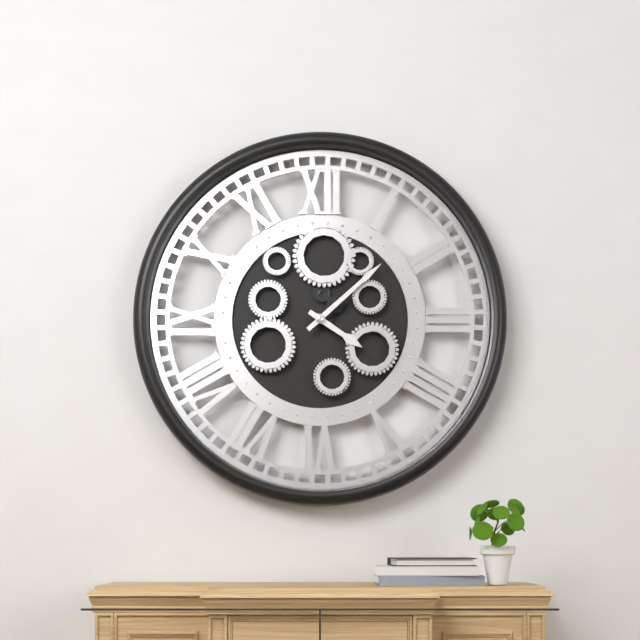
h=4 m=8
